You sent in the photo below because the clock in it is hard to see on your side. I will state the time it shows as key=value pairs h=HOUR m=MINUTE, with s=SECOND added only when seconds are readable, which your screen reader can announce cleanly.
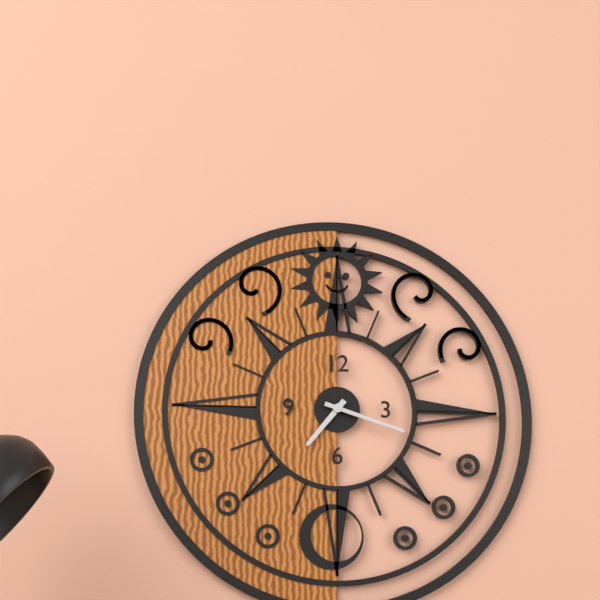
h=7 m=18
